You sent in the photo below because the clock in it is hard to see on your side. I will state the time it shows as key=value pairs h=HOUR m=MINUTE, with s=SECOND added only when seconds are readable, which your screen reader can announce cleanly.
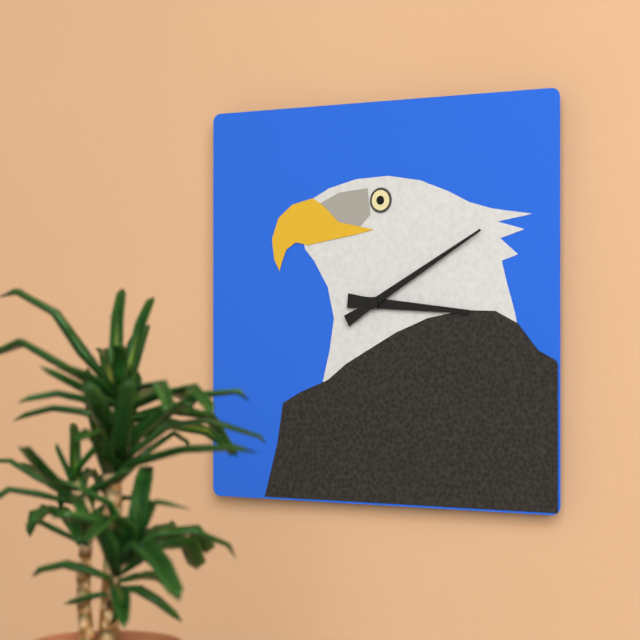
h=3 m=10
